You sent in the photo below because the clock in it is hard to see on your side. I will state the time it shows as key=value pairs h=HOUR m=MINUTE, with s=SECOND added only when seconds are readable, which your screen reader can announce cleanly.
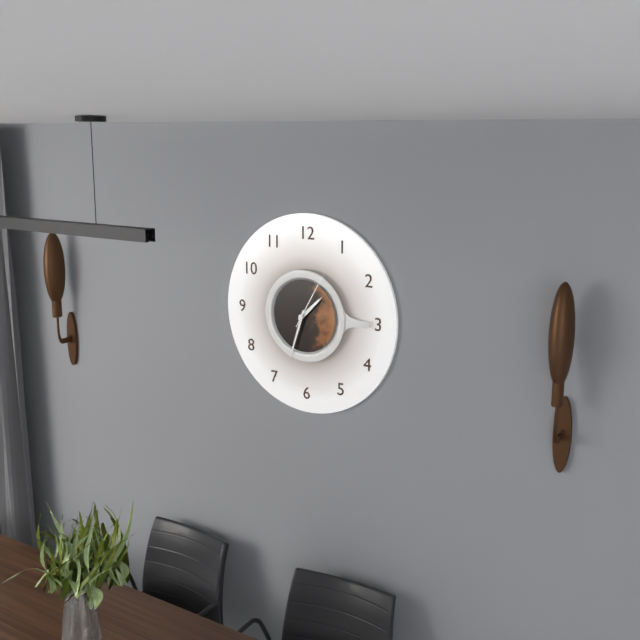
h=1 m=33 s=5
